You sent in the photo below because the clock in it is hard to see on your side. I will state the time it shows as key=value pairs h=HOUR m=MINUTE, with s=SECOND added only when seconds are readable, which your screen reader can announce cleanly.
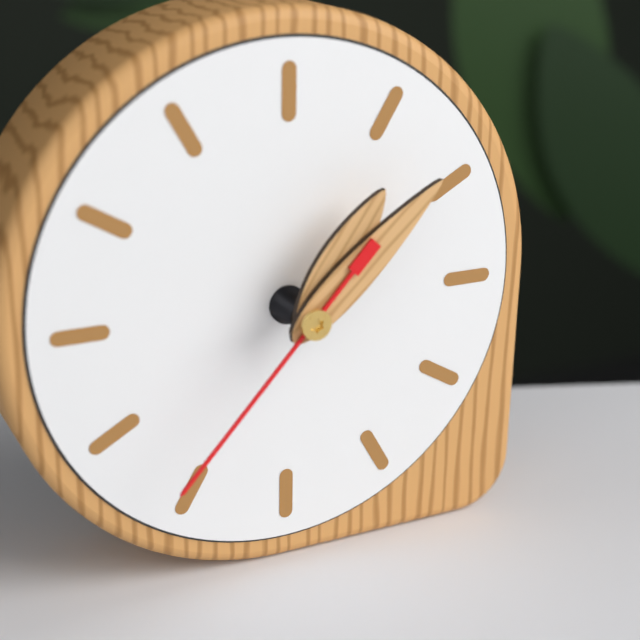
h=1 m=8 s=37
